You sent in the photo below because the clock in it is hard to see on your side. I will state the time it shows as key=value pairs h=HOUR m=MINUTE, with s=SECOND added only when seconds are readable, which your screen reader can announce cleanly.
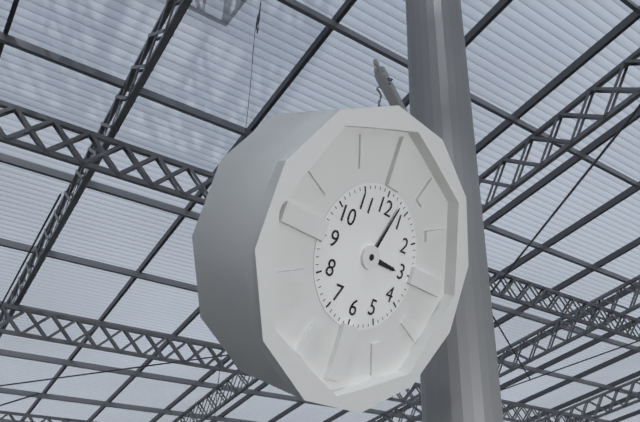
h=3 m=3
